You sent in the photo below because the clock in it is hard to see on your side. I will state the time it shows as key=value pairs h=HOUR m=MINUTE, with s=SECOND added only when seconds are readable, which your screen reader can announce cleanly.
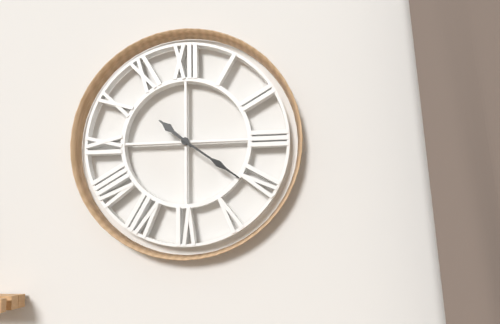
h=10 m=21
